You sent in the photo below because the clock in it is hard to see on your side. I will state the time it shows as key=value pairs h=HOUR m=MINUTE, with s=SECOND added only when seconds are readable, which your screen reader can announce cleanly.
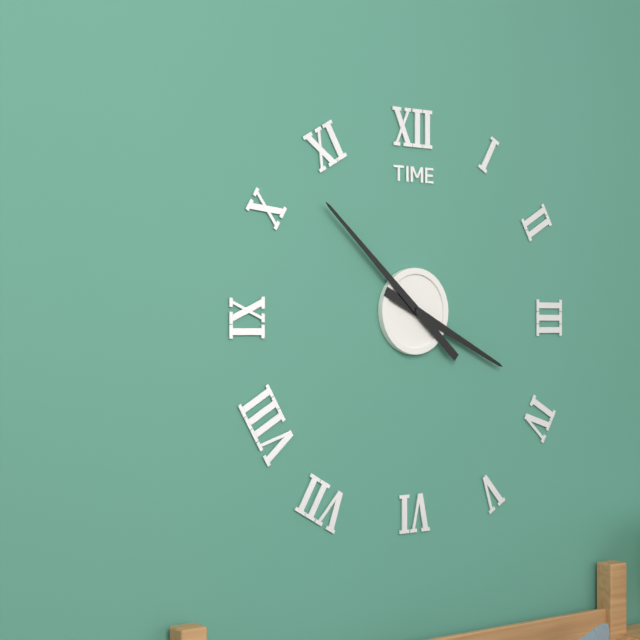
h=3 m=52
